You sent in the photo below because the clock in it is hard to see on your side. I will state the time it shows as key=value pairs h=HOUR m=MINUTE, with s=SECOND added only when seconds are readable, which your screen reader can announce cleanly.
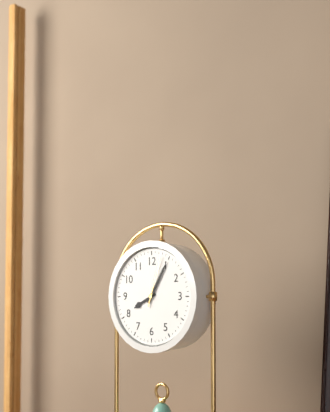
h=8 m=5 s=3
